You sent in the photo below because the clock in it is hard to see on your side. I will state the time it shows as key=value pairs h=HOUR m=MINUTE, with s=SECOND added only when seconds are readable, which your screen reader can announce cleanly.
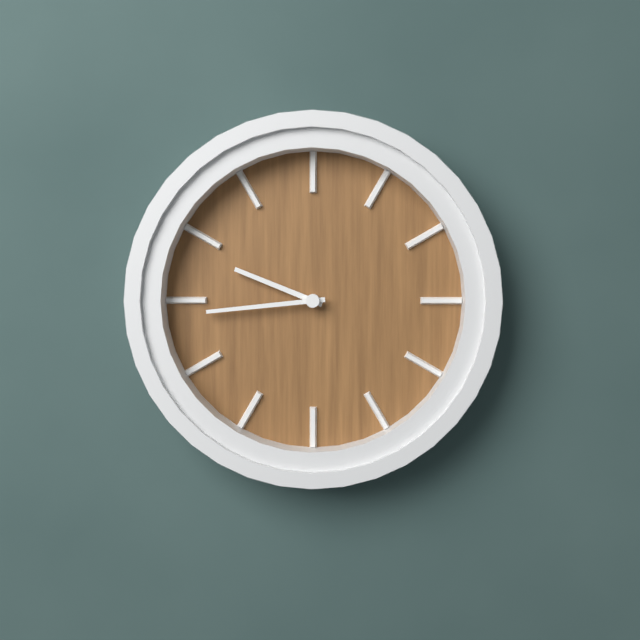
h=9 m=44
